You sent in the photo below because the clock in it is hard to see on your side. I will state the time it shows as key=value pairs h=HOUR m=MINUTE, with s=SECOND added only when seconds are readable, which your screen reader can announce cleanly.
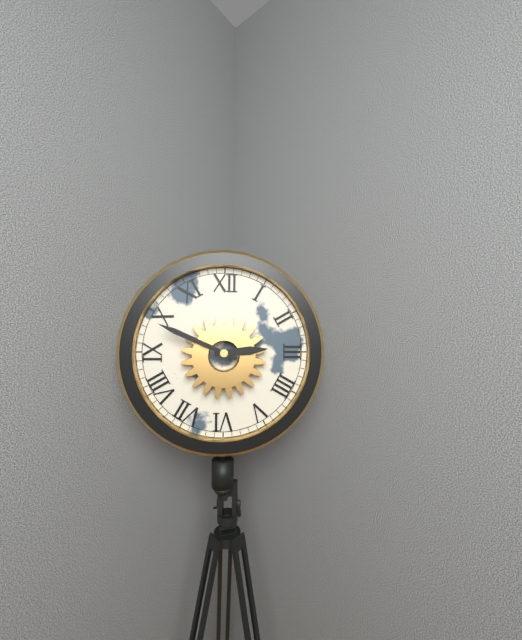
h=2 m=49
